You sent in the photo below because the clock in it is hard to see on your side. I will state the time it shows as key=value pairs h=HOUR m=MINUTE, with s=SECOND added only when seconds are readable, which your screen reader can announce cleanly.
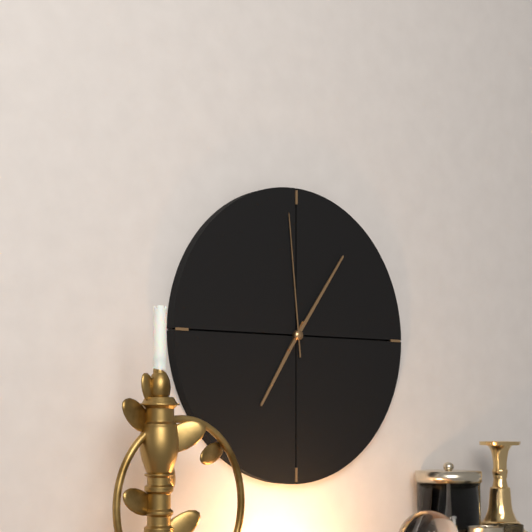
h=7 m=6 s=59
